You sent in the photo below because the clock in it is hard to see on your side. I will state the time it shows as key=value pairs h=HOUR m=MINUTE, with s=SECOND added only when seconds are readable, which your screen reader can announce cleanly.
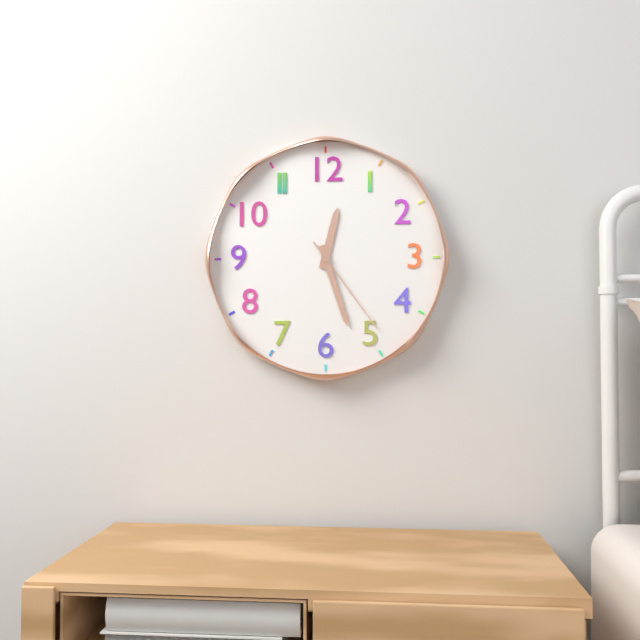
h=12 m=27 s=24
